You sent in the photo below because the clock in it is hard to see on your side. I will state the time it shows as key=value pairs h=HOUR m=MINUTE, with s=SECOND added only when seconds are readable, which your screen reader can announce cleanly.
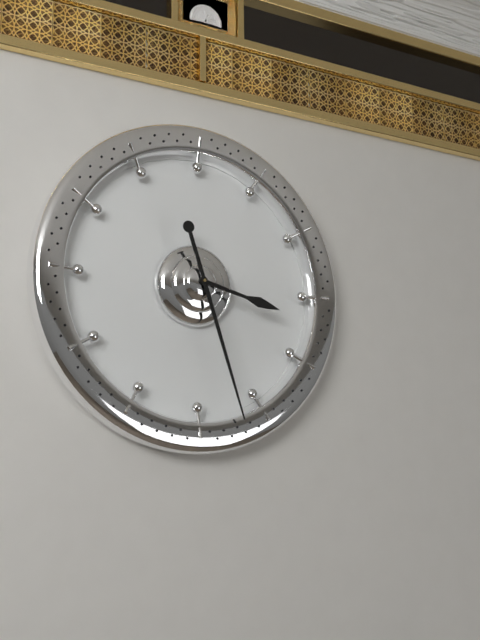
h=3 m=27
